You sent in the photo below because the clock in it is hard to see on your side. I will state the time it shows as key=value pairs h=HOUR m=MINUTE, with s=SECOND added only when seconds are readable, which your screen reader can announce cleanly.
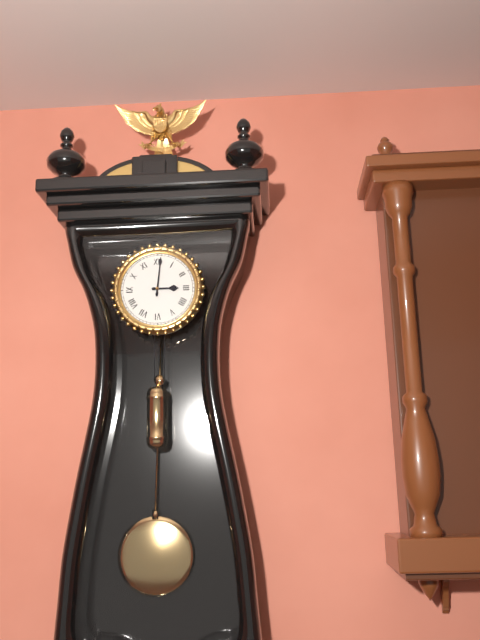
h=3 m=1
